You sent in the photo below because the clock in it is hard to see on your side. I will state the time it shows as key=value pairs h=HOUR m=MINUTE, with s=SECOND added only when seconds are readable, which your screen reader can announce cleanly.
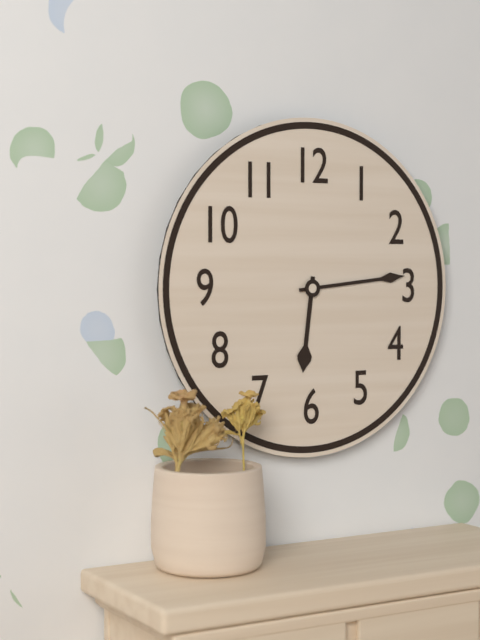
h=6 m=14
